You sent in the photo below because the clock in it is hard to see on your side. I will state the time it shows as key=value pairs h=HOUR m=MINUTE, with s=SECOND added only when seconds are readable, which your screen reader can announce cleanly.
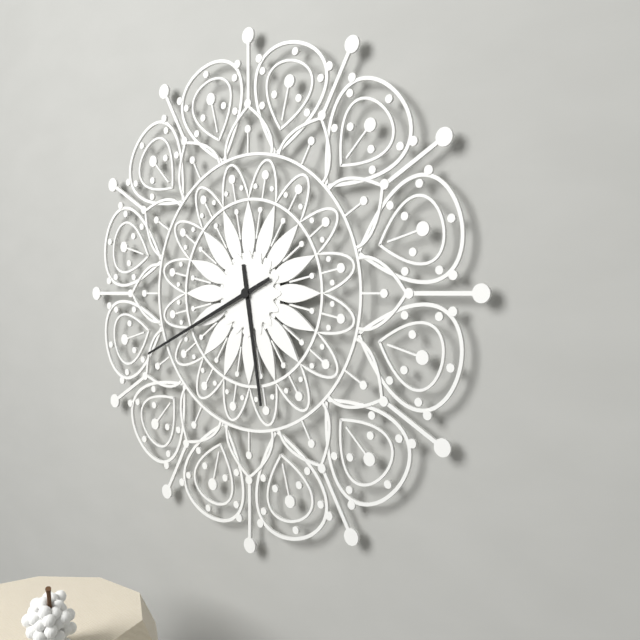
h=5 m=41
